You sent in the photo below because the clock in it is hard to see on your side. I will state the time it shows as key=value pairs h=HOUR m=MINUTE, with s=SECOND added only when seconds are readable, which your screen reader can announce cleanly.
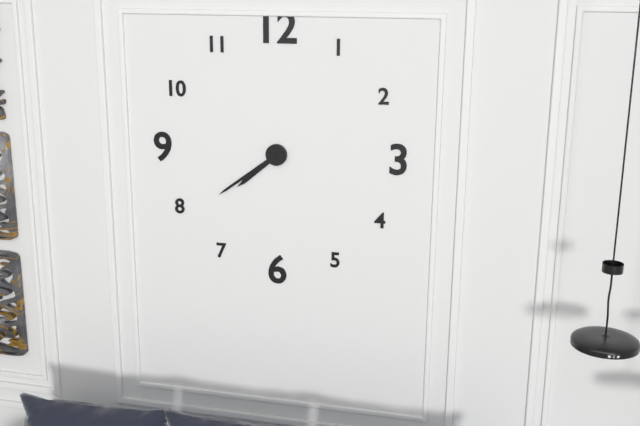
h=7 m=39
